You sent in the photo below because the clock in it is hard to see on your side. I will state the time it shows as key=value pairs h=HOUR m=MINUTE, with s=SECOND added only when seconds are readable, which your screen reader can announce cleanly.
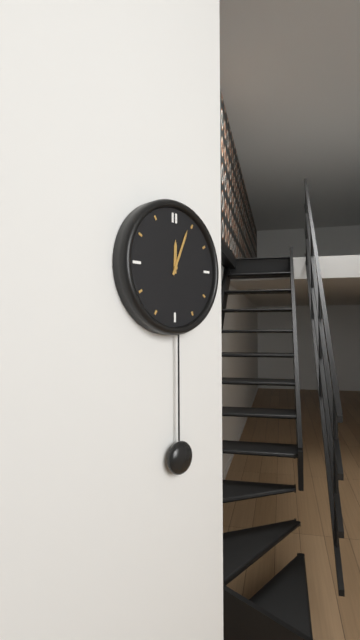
h=12 m=4
